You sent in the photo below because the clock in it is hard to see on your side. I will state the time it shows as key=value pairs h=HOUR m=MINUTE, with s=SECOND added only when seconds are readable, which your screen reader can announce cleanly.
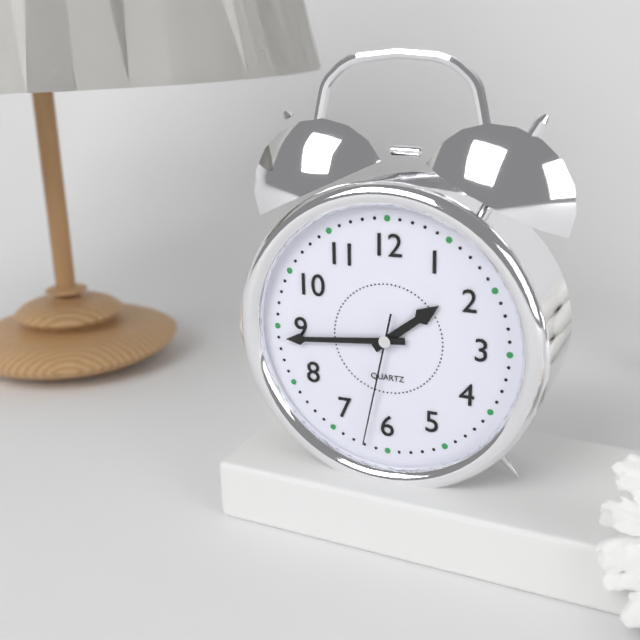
h=1 m=44 s=32
